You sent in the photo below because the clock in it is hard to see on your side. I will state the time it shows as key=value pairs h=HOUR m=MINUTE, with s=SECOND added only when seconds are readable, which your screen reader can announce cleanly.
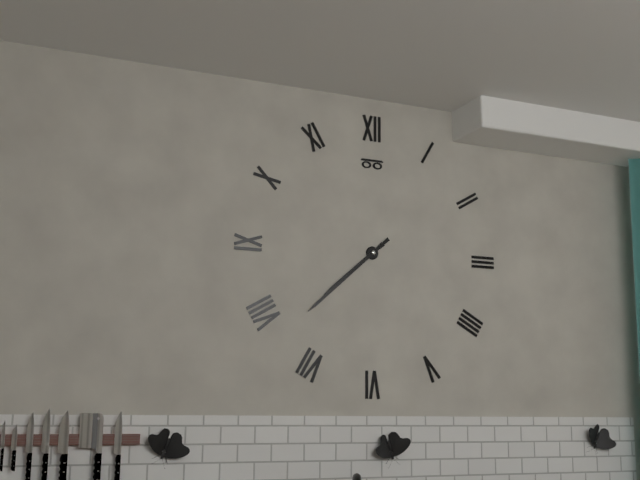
h=7 m=38
